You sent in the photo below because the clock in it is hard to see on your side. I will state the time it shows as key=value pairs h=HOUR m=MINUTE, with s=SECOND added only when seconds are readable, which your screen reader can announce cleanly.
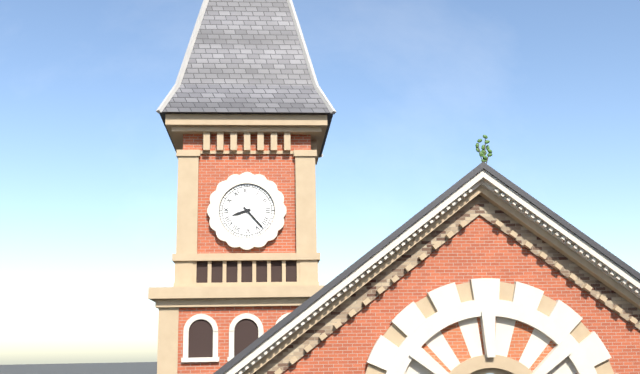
h=8 m=23
